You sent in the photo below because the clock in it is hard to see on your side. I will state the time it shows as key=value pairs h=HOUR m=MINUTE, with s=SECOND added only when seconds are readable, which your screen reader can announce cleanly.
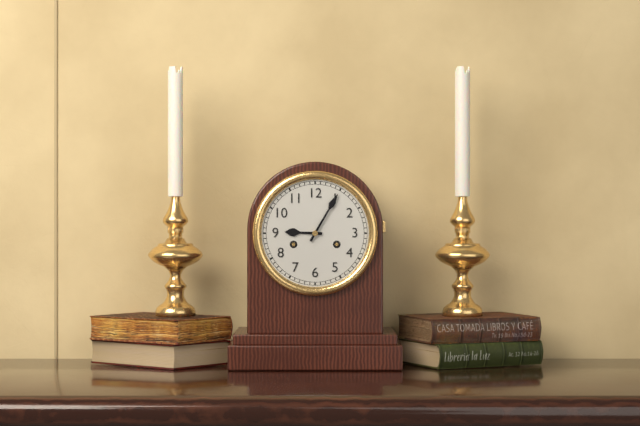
h=9 m=5
